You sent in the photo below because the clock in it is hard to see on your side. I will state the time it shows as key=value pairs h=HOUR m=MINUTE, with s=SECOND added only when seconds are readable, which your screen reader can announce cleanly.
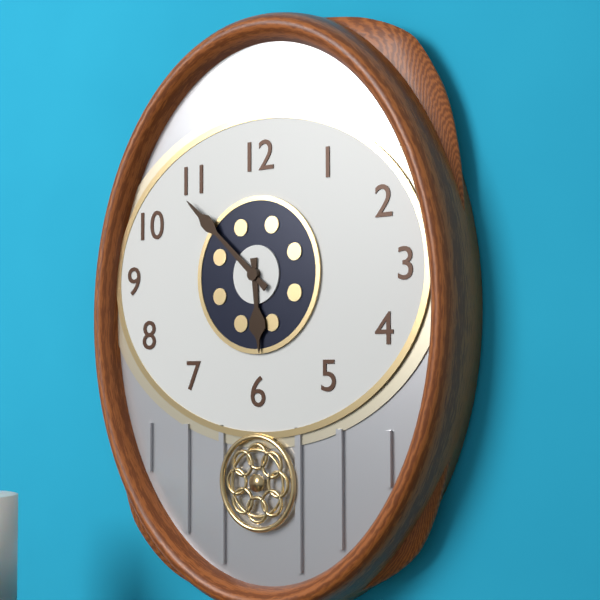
h=5 m=52
